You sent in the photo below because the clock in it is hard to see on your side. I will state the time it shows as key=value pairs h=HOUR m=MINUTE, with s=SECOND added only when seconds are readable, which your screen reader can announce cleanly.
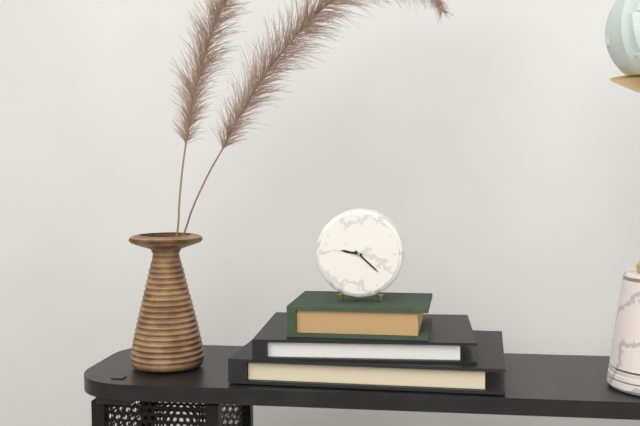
h=9 m=22
